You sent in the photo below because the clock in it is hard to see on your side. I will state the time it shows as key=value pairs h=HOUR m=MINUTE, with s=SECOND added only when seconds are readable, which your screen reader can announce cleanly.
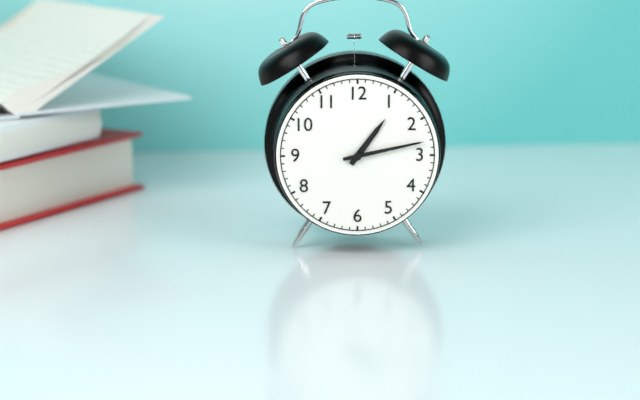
h=1 m=13
